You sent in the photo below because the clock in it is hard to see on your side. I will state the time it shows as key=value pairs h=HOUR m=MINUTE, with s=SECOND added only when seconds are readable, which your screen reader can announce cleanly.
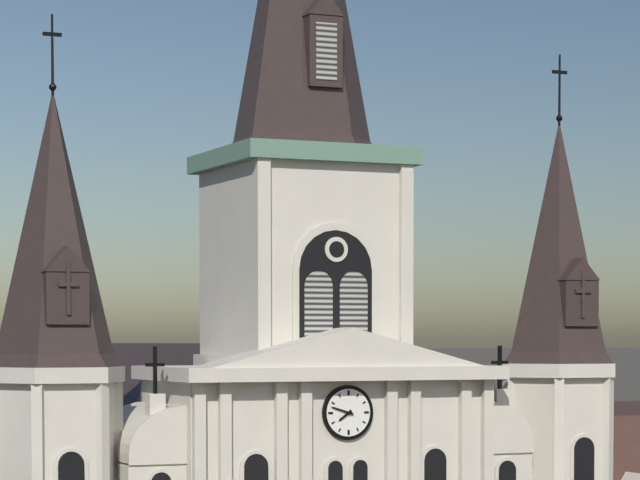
h=7 m=48
